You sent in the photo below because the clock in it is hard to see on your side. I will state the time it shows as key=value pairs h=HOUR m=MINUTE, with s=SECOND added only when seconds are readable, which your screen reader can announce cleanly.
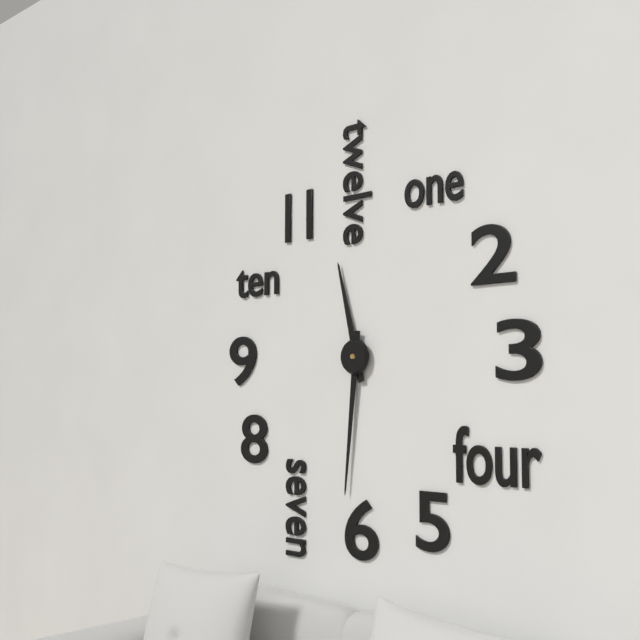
h=11 m=31
